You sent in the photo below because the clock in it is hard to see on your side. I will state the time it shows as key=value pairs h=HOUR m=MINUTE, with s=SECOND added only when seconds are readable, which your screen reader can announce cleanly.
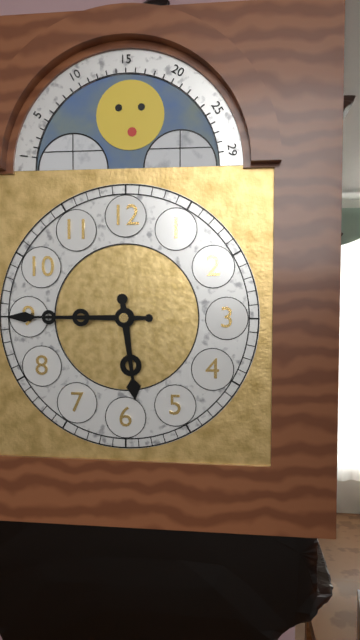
h=5 m=45
